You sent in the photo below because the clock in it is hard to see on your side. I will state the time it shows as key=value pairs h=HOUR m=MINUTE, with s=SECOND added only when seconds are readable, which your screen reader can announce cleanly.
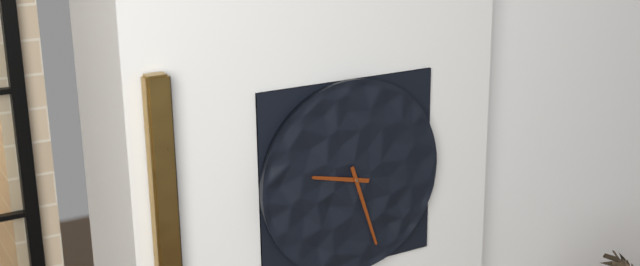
h=9 m=27
